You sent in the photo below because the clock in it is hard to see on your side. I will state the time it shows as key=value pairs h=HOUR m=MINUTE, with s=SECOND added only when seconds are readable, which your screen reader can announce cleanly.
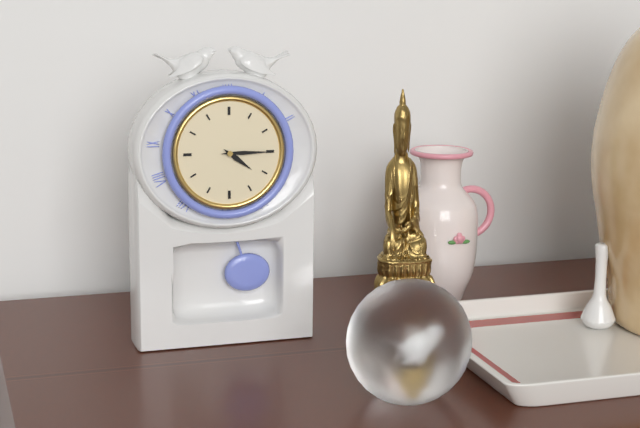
h=4 m=15
